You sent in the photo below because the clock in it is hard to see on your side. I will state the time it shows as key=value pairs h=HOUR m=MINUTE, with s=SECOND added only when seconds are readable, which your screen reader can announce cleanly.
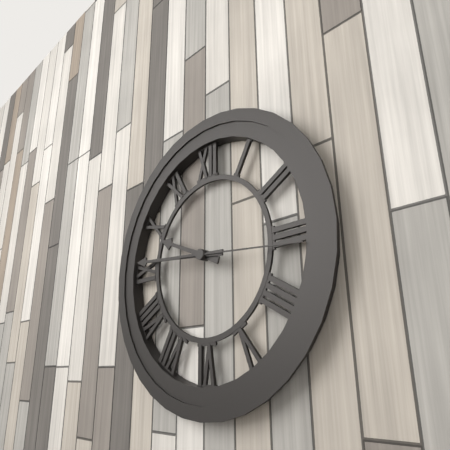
h=9 m=46 s=16
